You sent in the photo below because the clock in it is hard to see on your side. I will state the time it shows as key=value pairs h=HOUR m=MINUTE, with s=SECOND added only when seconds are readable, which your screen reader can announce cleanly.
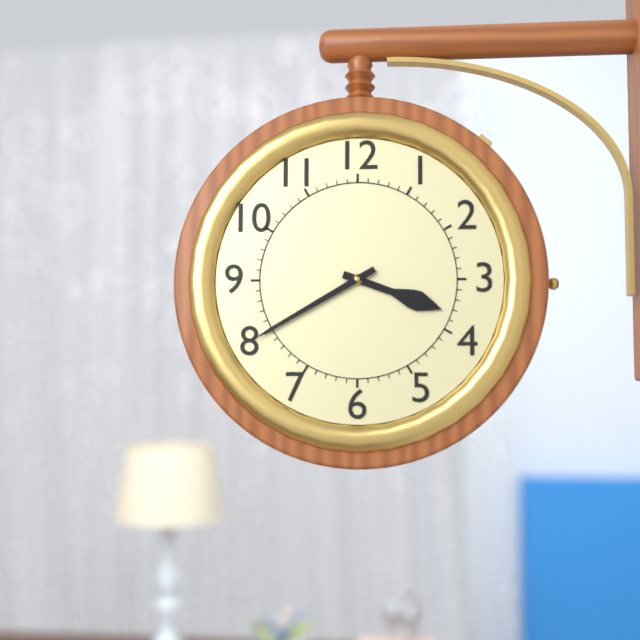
h=3 m=40
